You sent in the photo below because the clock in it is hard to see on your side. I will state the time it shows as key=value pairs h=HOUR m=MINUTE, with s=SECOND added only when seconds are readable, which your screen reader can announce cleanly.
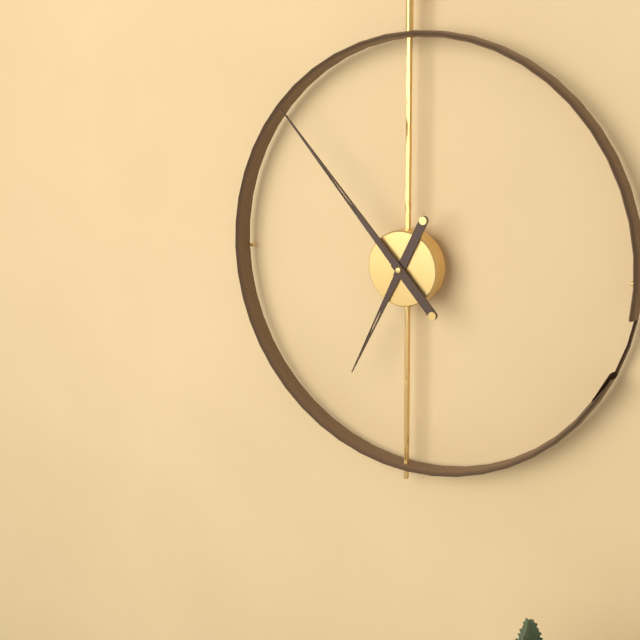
h=6 m=53
